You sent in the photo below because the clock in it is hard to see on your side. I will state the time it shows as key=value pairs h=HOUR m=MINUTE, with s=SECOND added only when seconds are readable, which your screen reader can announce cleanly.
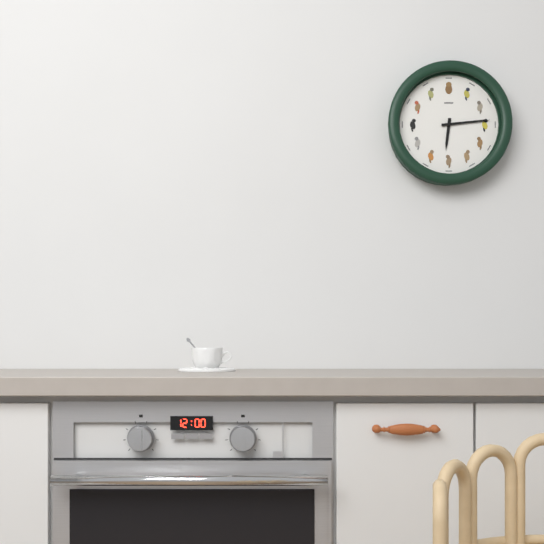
h=6 m=14
